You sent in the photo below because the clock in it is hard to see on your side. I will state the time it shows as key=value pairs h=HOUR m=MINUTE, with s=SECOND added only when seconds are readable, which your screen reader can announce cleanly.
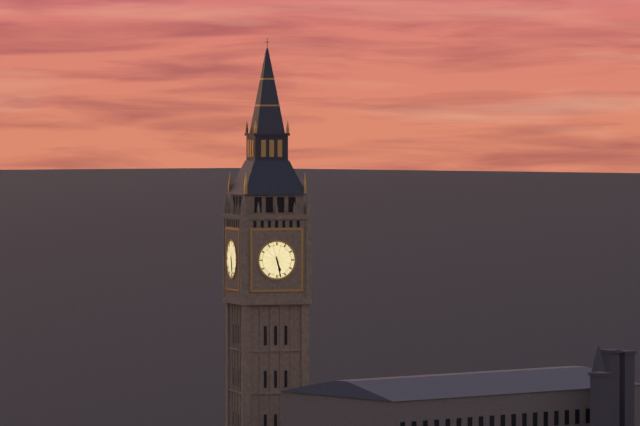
h=5 m=28
